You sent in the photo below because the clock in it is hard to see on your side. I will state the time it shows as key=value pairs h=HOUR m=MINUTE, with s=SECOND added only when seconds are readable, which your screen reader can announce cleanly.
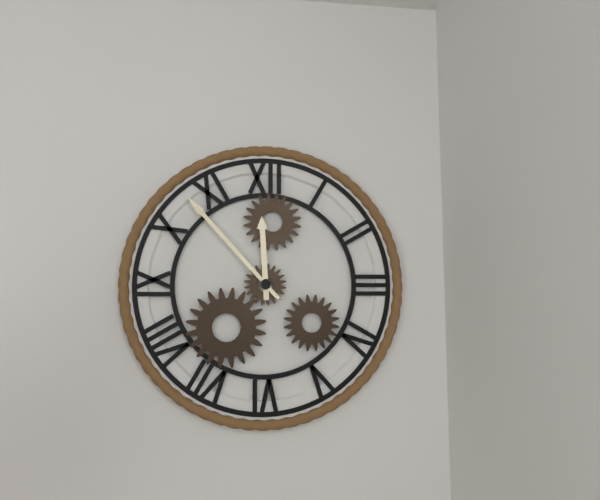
h=11 m=53
